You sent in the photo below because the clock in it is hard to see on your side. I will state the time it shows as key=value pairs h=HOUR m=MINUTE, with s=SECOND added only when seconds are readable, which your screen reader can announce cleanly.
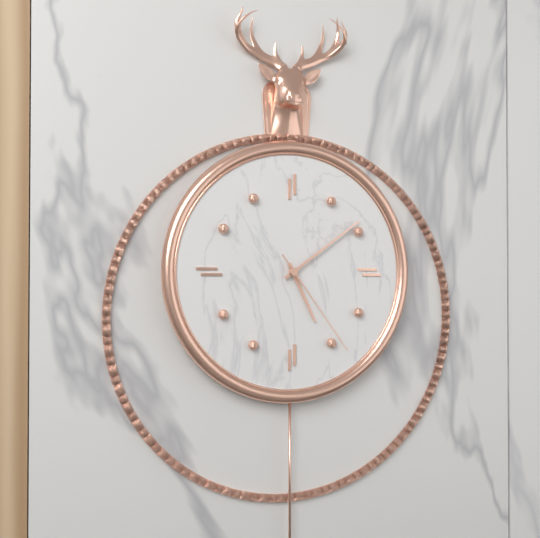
h=5 m=9 s=24
